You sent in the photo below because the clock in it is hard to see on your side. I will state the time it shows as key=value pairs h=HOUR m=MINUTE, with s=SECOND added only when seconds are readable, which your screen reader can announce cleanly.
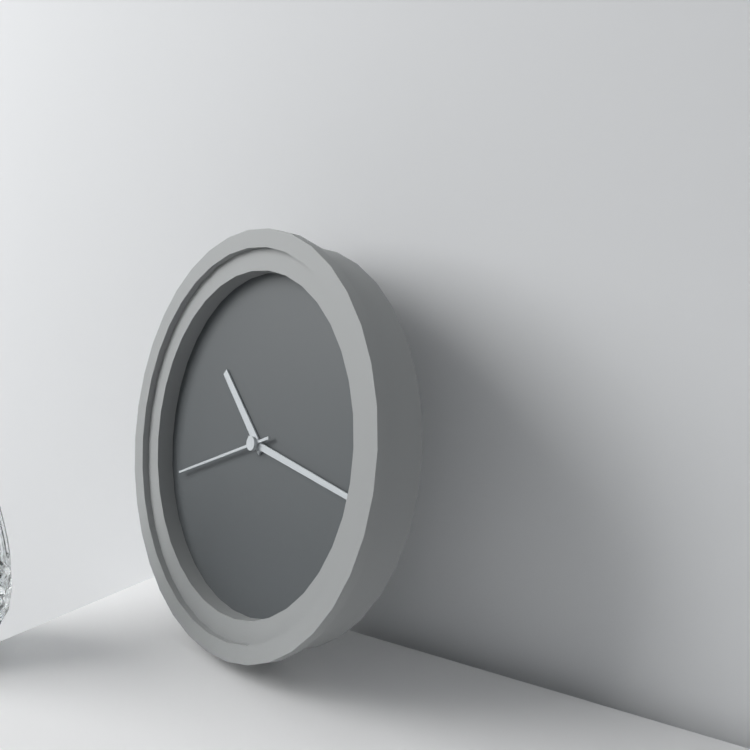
h=10 m=16 s=41
